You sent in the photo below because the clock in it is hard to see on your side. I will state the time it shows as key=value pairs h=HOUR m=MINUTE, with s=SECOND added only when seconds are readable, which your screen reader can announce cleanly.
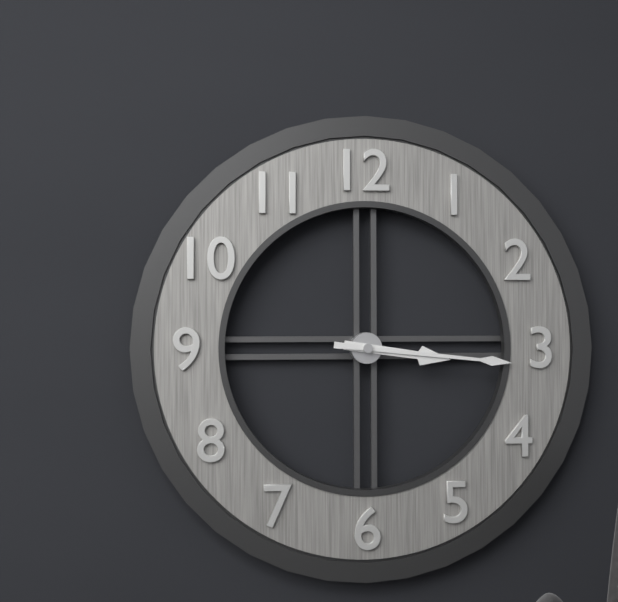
h=3 m=16
